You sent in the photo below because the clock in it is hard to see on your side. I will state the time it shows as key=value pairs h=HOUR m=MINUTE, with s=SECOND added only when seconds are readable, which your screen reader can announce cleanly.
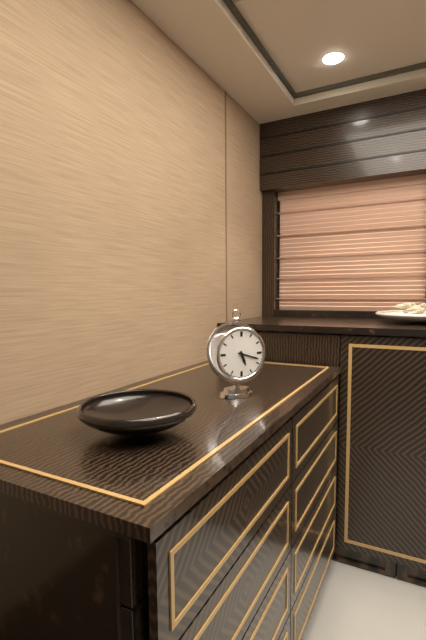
h=5 m=18
